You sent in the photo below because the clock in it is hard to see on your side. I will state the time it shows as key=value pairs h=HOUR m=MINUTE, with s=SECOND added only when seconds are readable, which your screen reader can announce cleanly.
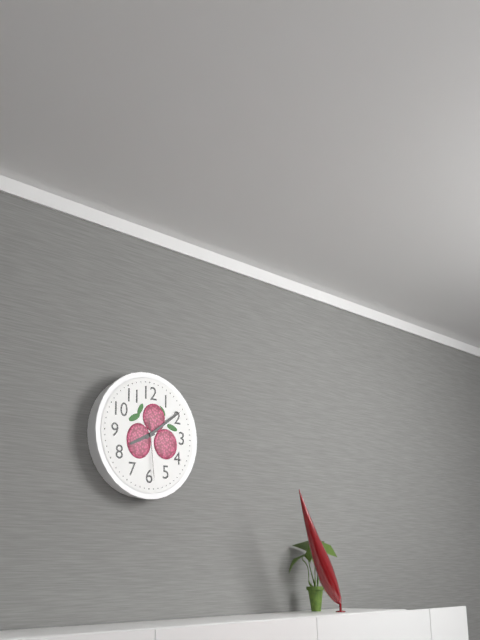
h=8 m=9 s=29
